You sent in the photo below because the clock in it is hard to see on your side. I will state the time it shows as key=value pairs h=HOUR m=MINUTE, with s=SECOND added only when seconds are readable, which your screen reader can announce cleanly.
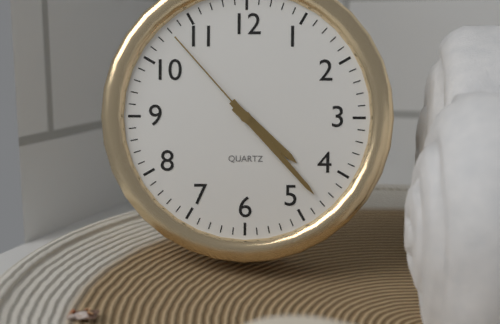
h=4 m=23 s=53
